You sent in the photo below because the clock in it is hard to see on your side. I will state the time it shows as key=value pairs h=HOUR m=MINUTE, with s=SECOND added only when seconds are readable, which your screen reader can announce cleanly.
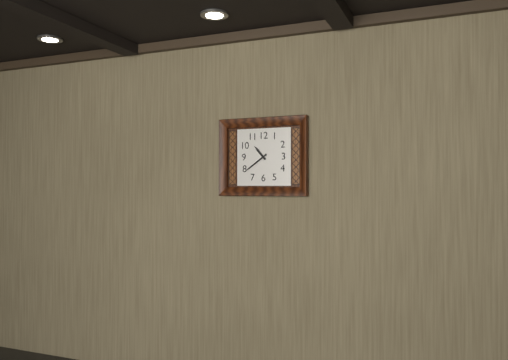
h=10 m=39
